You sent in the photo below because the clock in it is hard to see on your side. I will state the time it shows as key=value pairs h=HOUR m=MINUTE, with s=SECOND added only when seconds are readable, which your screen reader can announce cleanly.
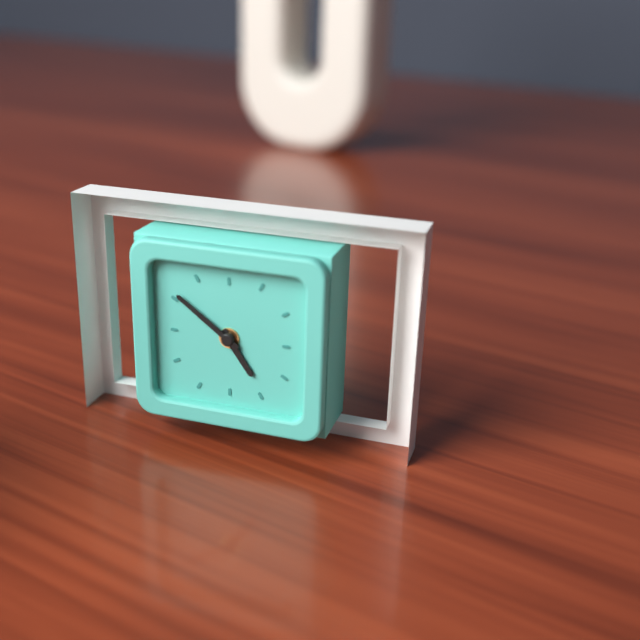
h=4 m=51
